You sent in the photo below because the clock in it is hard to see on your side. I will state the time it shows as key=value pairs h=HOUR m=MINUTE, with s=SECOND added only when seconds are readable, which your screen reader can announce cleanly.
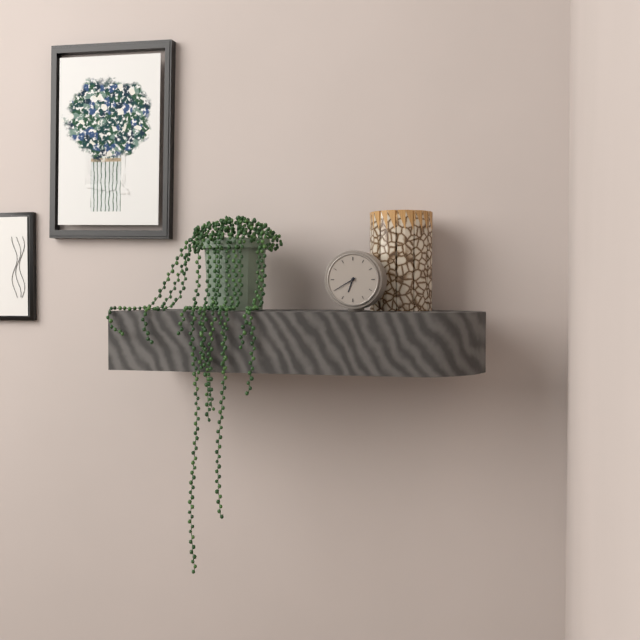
h=6 m=40
